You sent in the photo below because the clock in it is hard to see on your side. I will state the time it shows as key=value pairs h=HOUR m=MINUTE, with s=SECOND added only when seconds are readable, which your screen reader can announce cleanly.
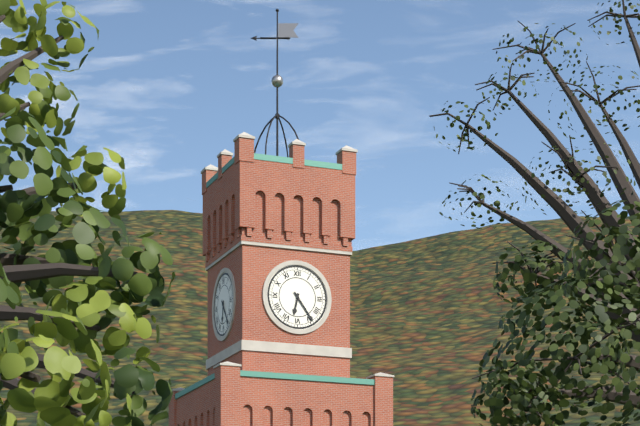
h=6 m=24
